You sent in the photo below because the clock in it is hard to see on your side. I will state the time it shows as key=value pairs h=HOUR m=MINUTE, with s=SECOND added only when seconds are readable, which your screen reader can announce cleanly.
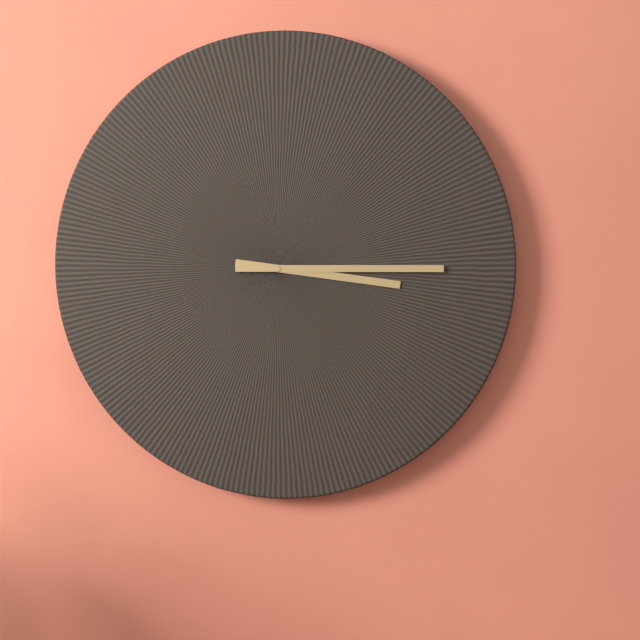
h=3 m=15
